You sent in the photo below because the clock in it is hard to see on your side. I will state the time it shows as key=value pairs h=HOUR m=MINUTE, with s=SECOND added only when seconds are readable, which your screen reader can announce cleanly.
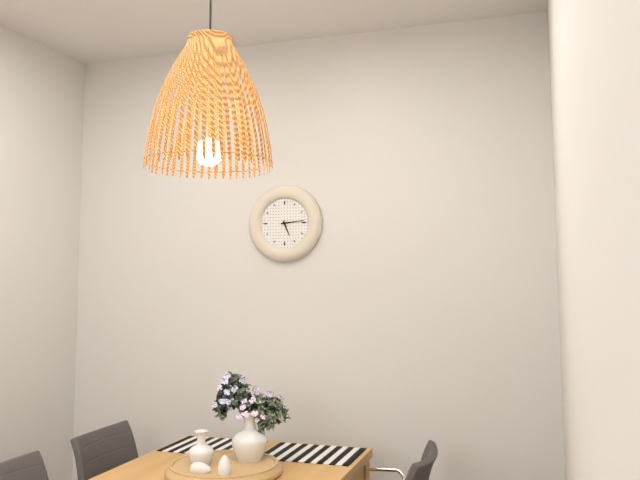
h=5 m=14
